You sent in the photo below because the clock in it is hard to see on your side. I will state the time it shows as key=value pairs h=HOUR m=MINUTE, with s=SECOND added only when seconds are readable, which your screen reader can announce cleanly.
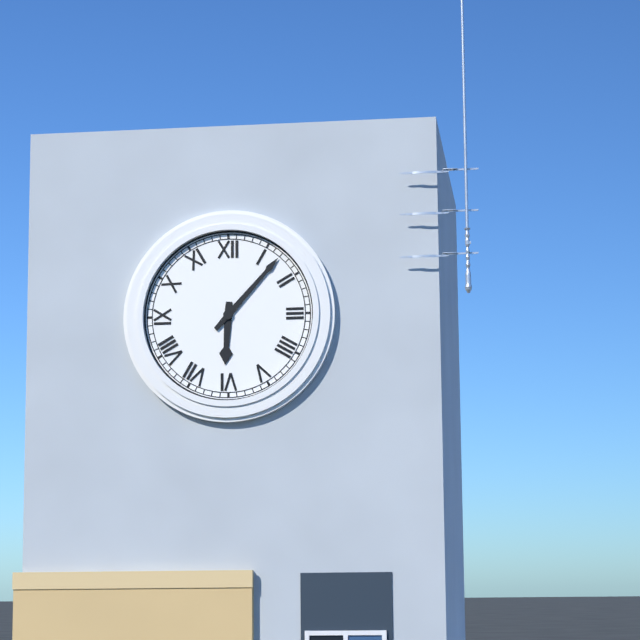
h=6 m=7
